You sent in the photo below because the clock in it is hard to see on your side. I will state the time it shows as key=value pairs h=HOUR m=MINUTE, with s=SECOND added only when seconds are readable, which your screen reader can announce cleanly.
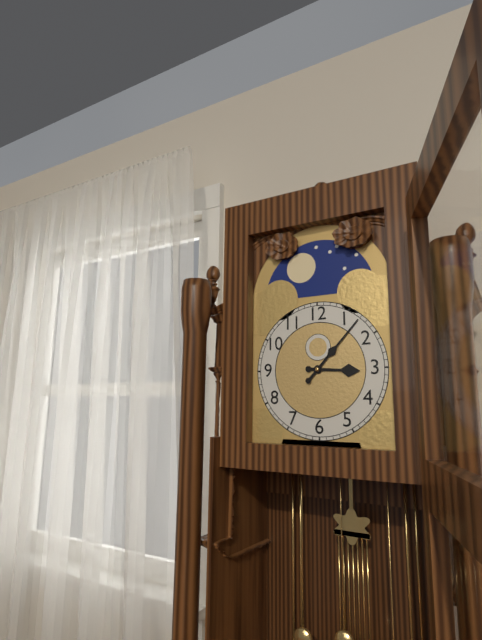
h=3 m=7
